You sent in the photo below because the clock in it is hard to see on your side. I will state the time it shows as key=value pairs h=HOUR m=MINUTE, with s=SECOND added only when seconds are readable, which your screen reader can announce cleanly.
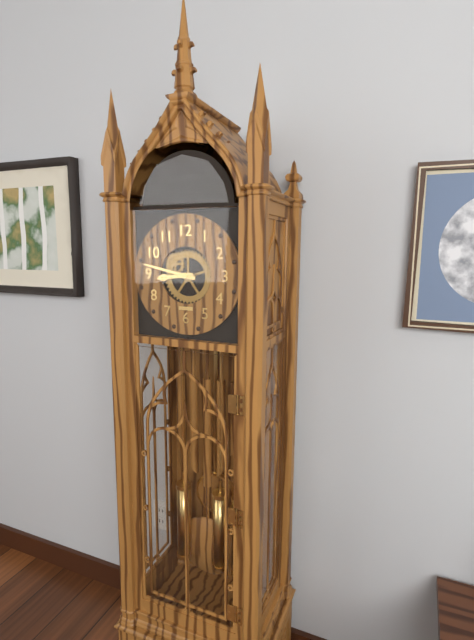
h=8 m=47
